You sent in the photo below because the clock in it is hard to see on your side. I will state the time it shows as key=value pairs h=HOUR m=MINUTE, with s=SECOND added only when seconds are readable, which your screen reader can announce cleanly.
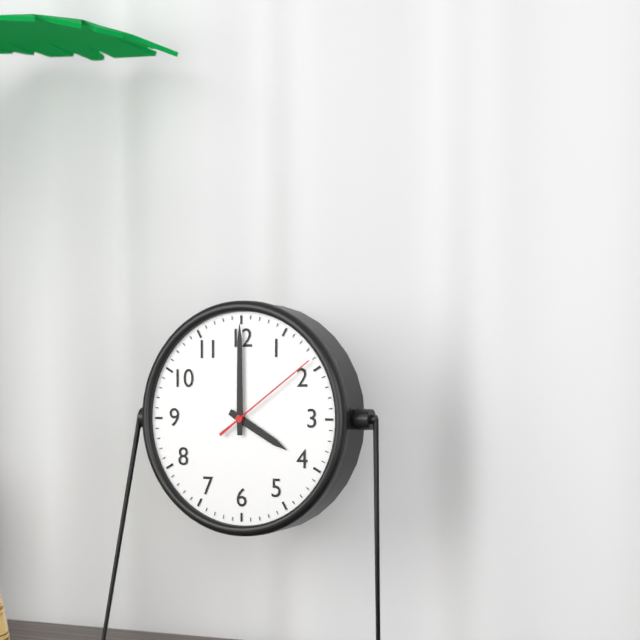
h=4 m=0 s=9
